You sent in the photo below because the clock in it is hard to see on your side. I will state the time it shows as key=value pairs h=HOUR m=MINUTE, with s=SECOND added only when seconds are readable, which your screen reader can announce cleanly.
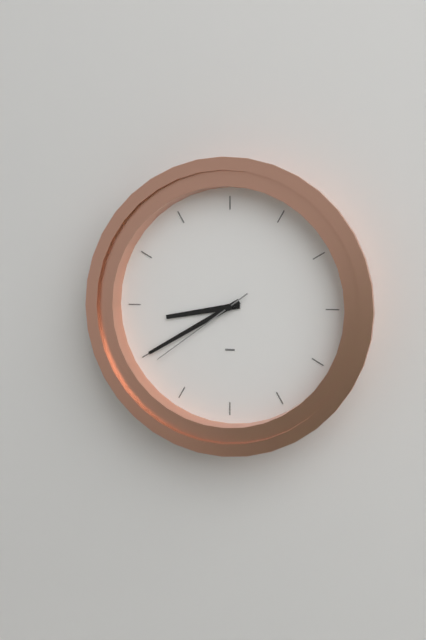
h=8 m=40 s=39
